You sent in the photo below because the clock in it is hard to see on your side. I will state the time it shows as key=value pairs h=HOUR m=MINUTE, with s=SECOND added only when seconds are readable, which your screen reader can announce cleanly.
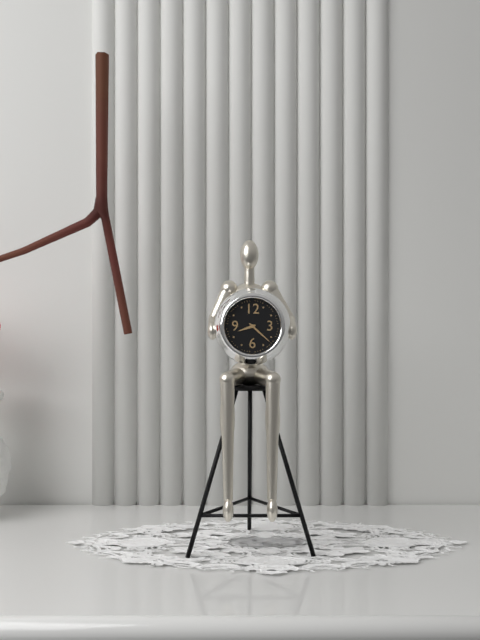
h=8 m=22
